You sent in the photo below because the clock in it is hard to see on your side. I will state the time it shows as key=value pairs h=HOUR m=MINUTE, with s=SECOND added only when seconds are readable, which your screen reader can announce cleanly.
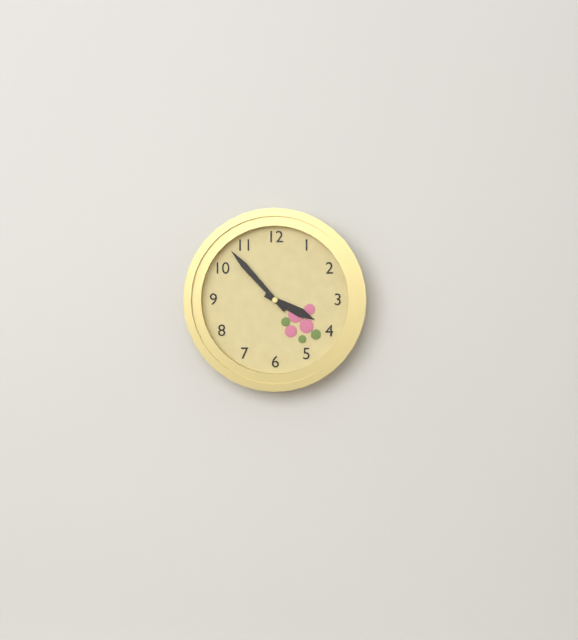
h=3 m=53
